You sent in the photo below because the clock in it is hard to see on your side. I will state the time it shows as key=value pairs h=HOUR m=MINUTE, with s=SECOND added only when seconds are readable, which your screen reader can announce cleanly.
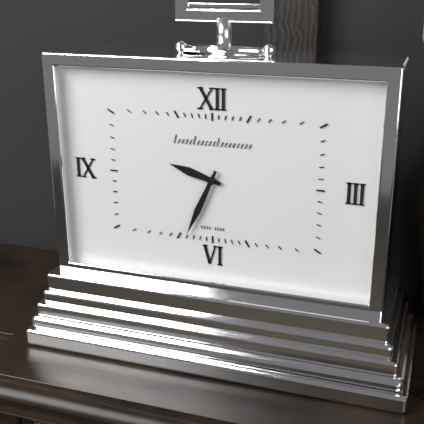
h=9 m=34
